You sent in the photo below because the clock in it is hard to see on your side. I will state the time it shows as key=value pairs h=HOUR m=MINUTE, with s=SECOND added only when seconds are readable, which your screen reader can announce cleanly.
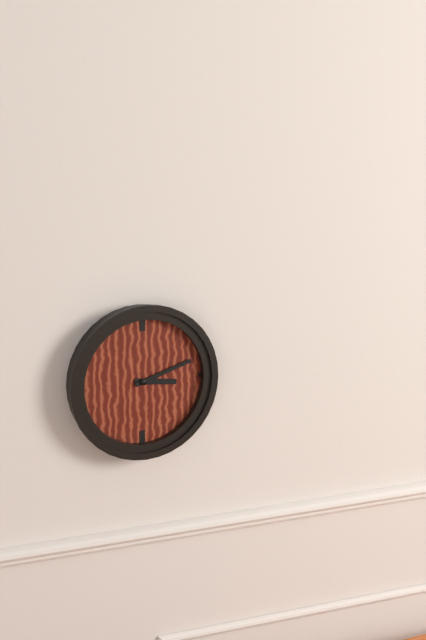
h=3 m=12
